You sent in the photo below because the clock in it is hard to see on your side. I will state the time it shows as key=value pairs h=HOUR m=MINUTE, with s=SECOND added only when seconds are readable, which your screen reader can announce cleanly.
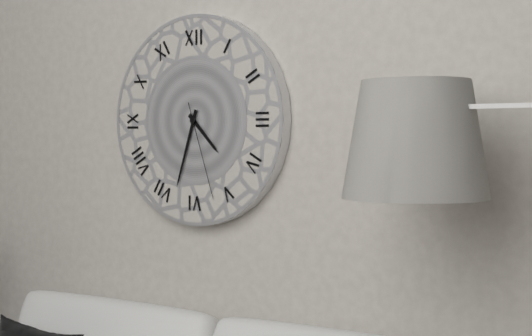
h=4 m=33 s=27
